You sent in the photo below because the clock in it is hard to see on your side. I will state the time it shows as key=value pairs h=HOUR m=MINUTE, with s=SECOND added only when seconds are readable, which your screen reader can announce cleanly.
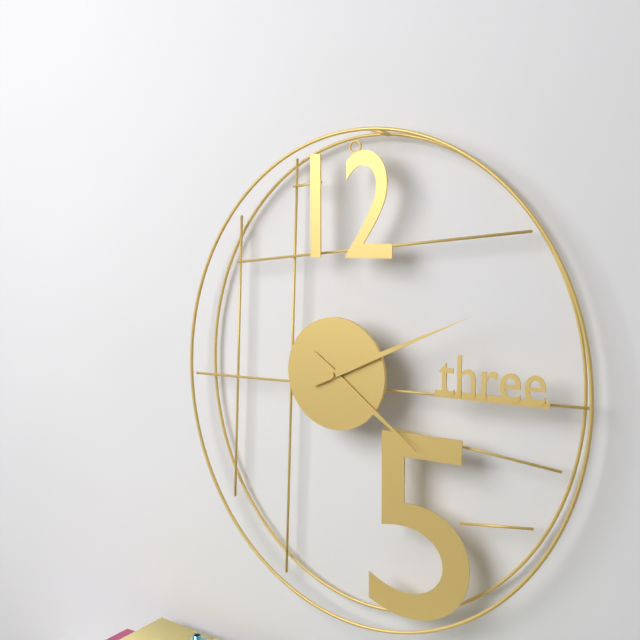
h=4 m=11
